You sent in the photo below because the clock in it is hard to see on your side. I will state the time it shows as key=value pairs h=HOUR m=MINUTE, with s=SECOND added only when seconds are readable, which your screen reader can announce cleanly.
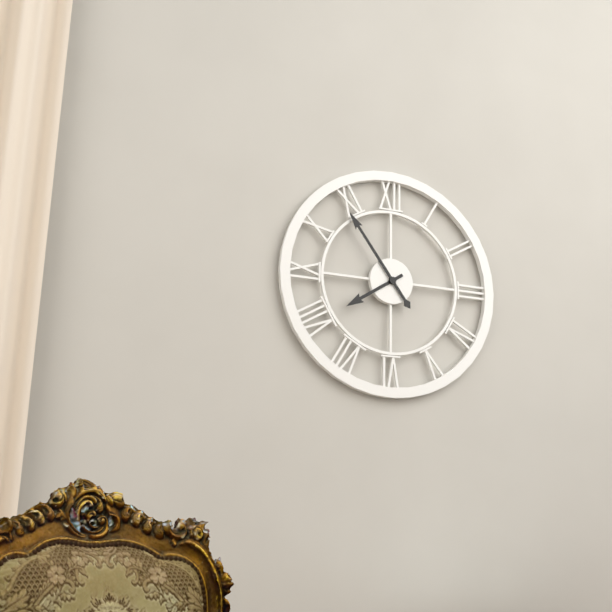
h=7 m=54
